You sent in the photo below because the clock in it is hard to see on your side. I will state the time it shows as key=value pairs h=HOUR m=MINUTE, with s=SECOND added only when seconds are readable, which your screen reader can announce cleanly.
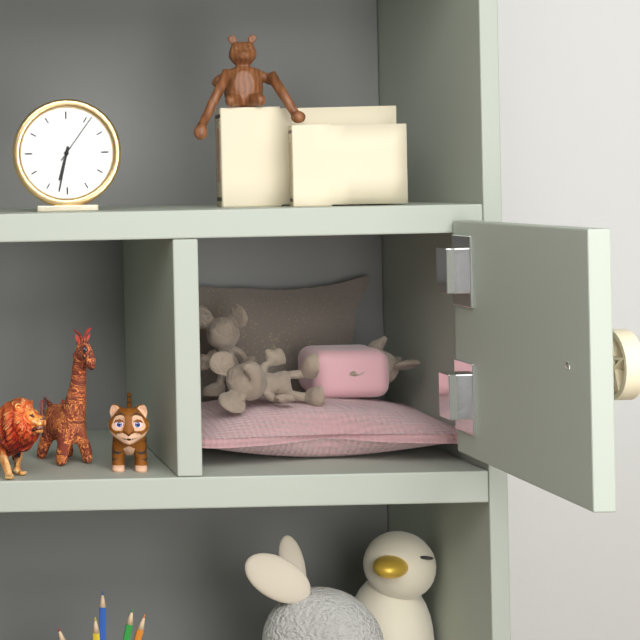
h=6 m=32 s=6
